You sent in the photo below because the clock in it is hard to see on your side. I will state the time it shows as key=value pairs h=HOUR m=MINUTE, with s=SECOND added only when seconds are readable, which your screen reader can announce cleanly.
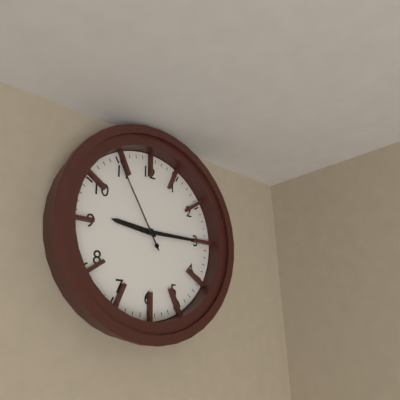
h=9 m=15 s=55
